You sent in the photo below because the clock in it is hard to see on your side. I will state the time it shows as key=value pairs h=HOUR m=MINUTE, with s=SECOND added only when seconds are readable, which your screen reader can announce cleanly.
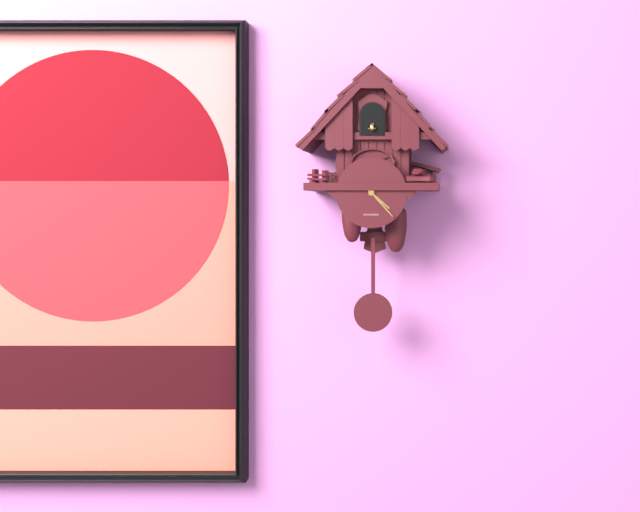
h=4 m=23
